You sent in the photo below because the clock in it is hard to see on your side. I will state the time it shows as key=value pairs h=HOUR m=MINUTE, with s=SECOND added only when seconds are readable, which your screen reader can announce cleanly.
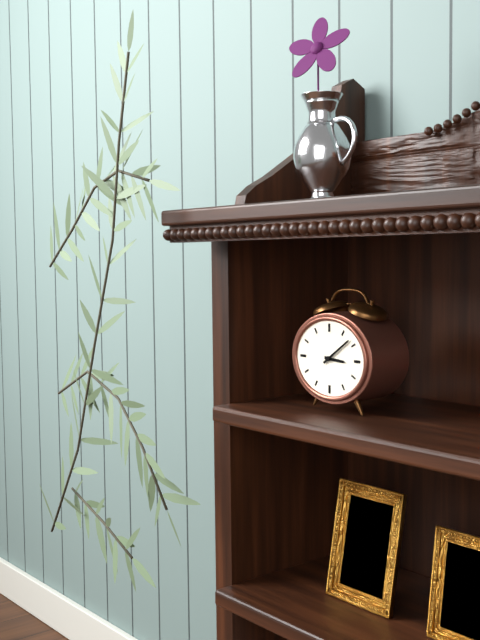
h=3 m=9
